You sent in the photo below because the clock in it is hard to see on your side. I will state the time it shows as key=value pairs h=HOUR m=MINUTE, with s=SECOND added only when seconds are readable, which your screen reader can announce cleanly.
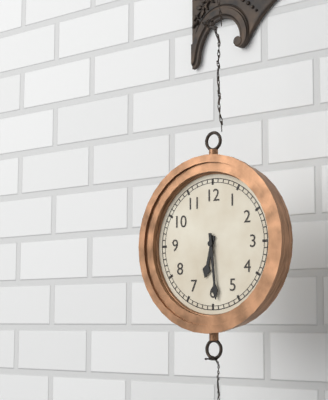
h=6 m=29
